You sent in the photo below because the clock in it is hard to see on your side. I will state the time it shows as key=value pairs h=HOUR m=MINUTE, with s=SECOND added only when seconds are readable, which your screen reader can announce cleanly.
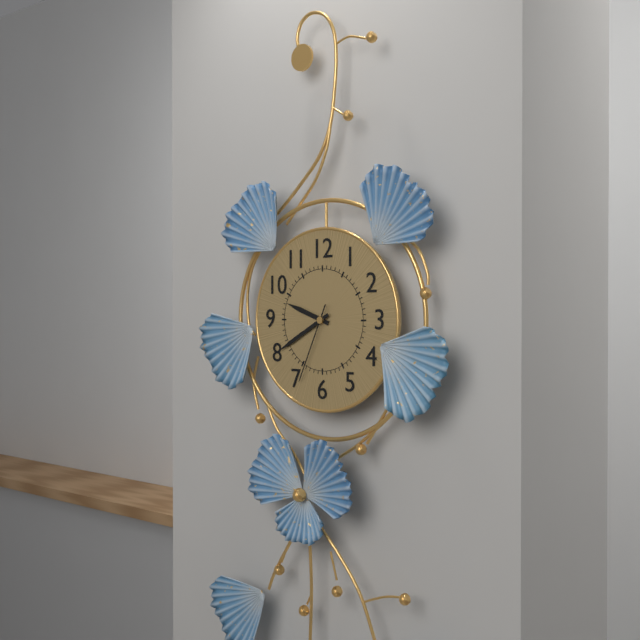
h=9 m=40 s=34
